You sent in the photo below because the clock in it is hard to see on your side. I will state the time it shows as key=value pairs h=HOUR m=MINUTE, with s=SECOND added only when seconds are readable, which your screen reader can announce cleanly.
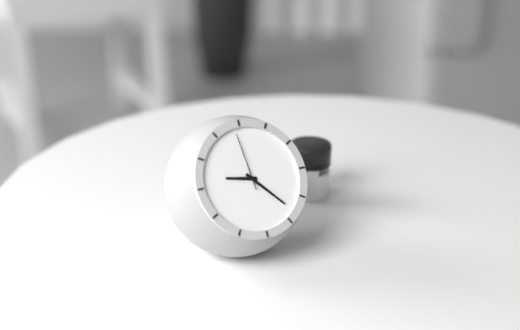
h=9 m=23 s=59
